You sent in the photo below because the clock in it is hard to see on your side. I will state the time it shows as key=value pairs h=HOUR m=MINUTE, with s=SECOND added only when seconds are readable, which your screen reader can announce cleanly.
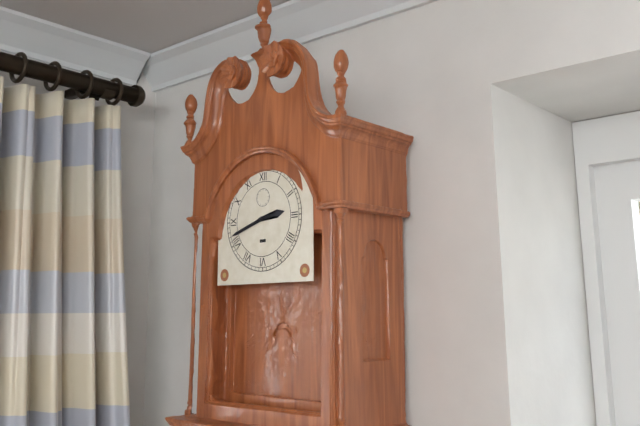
h=2 m=42
